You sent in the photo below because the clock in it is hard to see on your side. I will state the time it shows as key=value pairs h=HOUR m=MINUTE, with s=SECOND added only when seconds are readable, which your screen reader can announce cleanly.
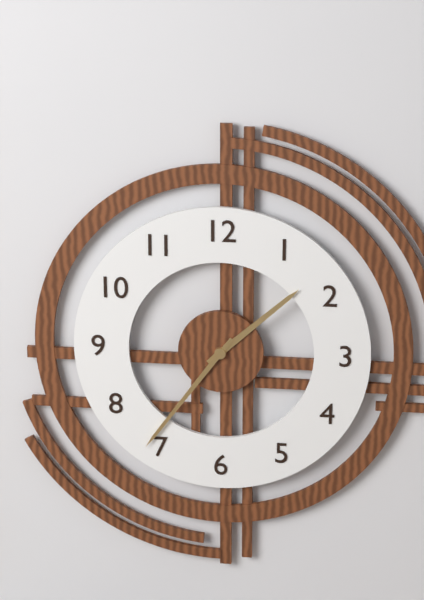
h=1 m=36
